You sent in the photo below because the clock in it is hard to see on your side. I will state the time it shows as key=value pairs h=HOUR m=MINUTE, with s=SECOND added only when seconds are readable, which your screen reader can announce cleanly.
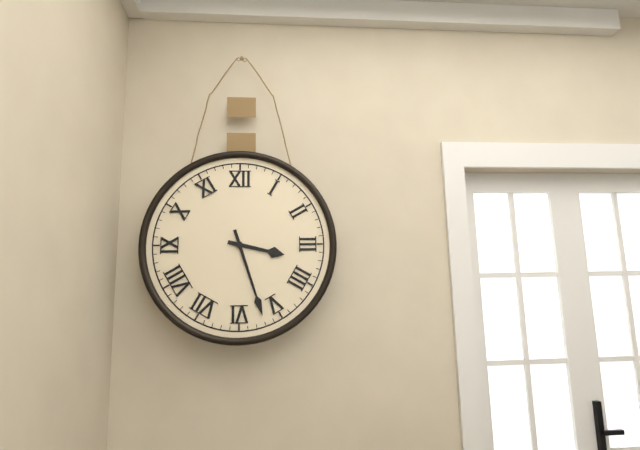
h=3 m=27
